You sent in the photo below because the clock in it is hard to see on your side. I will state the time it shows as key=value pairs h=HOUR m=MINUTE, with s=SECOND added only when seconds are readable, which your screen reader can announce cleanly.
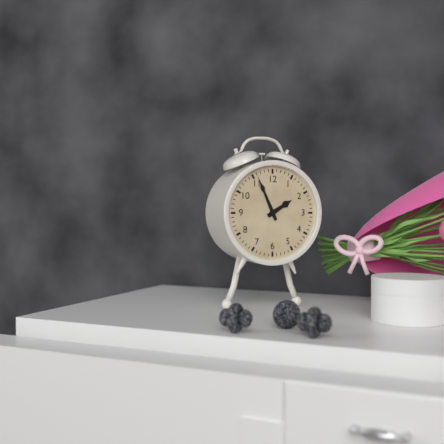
h=1 m=56
